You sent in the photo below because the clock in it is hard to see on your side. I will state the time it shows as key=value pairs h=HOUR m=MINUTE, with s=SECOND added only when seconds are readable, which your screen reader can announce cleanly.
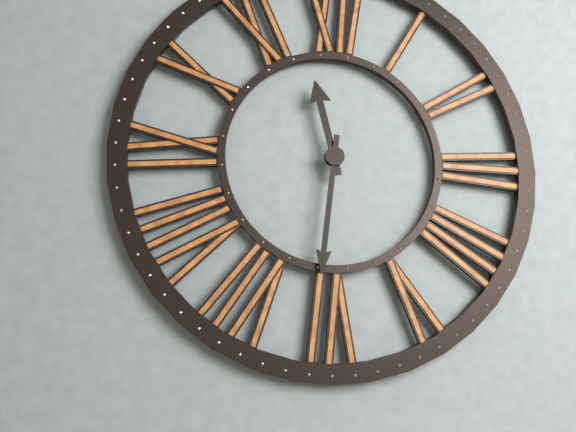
h=11 m=31
